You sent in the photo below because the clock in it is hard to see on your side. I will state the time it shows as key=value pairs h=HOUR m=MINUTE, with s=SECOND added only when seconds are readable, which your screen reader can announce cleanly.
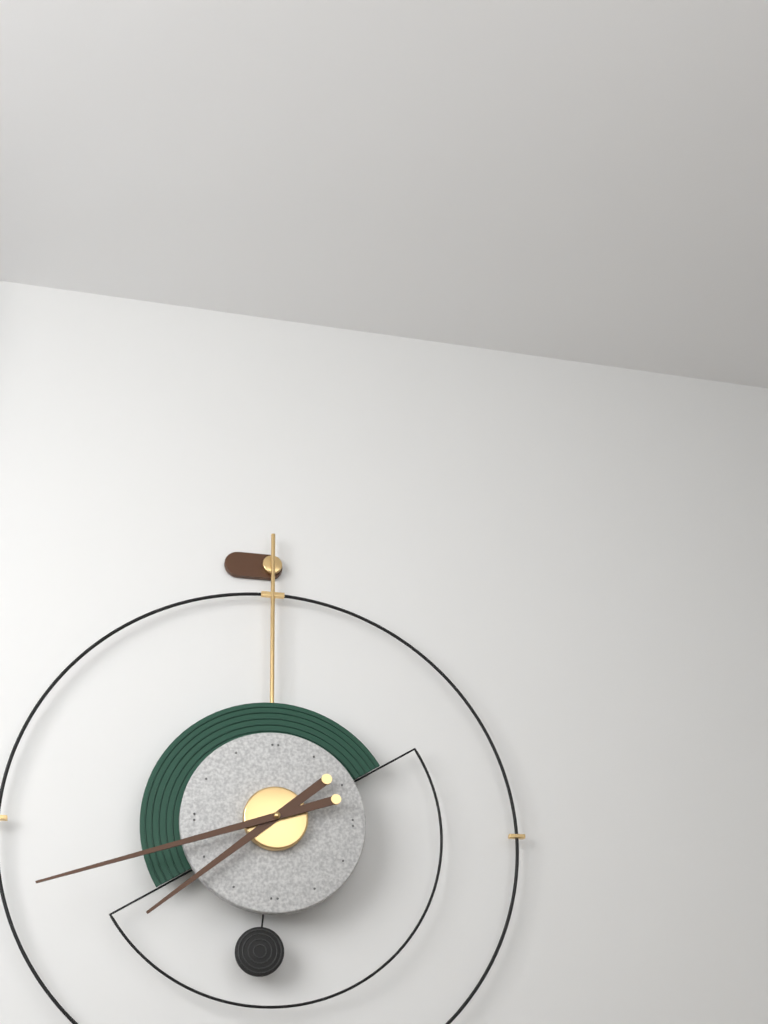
h=7 m=42
